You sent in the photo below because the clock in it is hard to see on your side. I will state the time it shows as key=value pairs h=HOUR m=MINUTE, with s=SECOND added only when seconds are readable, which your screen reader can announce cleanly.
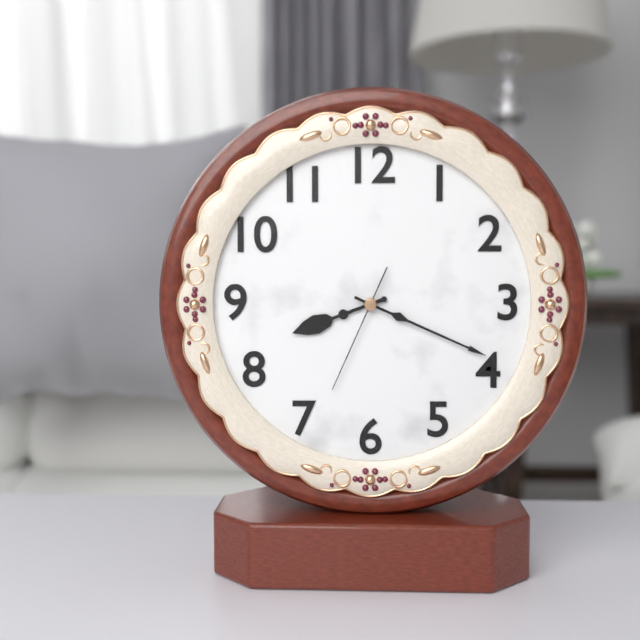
h=8 m=19 s=34
